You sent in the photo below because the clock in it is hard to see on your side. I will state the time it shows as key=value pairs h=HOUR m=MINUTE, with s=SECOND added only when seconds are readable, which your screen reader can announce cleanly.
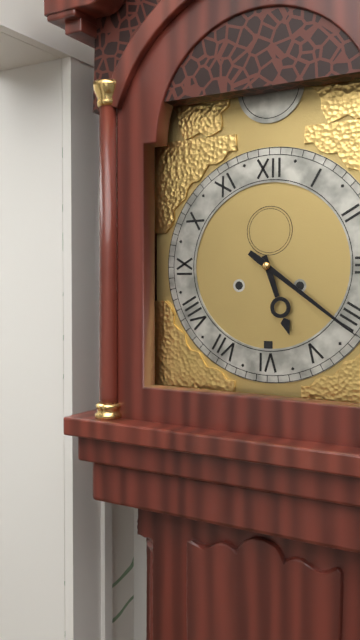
h=5 m=21
